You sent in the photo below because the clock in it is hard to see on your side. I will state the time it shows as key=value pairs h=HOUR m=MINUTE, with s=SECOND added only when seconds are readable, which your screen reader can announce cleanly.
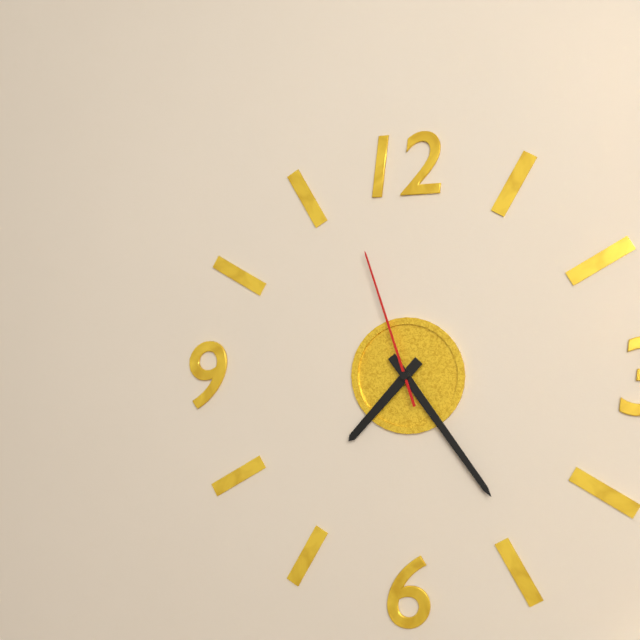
h=7 m=24 s=57
